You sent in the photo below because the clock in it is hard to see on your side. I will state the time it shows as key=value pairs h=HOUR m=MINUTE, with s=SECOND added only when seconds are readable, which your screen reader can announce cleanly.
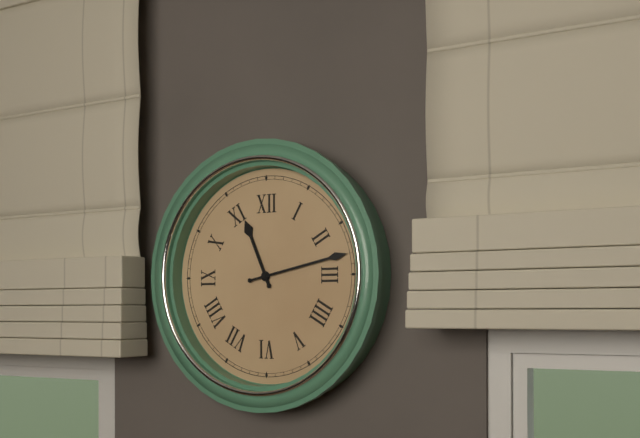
h=11 m=13
